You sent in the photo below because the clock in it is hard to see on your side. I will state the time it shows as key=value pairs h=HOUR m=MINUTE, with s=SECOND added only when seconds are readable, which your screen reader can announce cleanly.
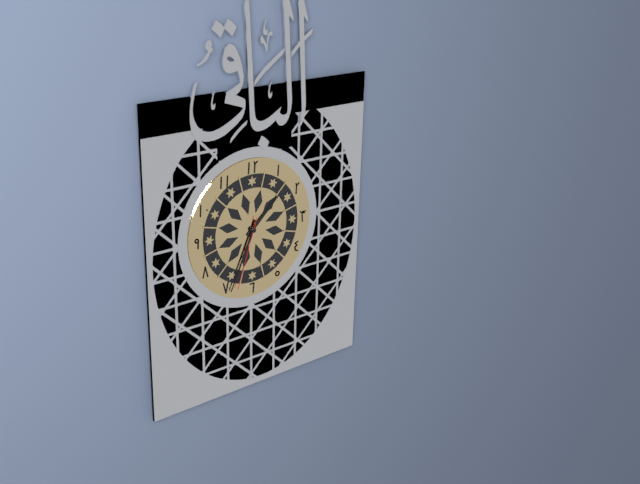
h=1 m=34 s=33
